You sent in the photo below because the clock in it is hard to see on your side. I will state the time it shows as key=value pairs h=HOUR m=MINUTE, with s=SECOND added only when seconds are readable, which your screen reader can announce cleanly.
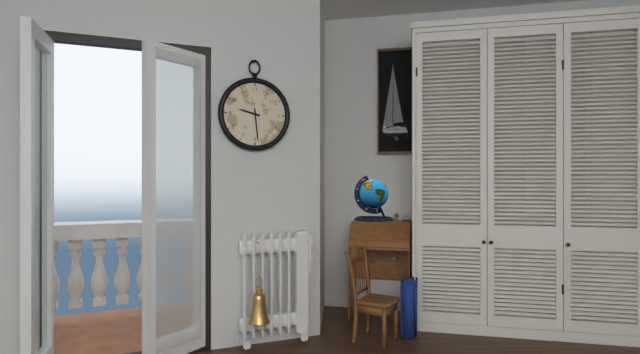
h=9 m=29
